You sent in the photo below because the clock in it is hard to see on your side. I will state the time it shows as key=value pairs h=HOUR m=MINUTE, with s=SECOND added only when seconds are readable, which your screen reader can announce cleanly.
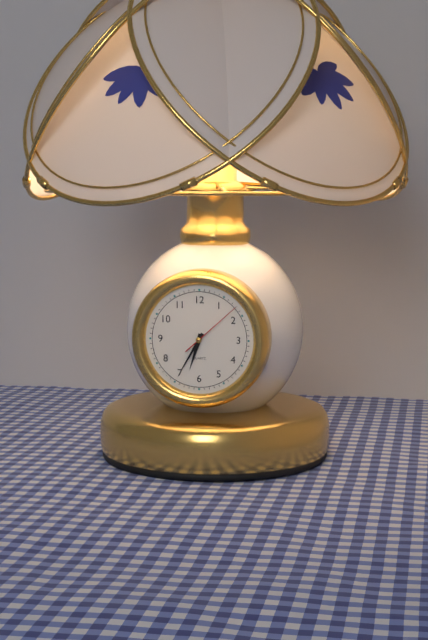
h=6 m=35 s=8
